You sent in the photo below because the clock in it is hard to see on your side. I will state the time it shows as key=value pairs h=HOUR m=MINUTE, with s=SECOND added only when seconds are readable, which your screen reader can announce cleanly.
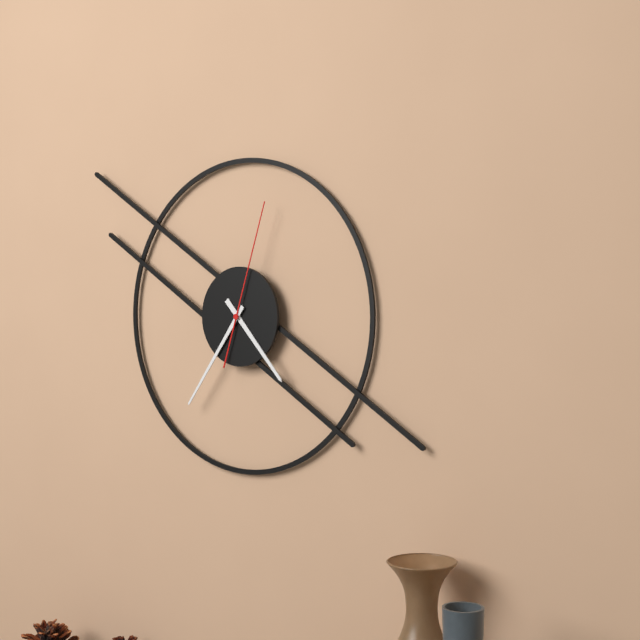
h=4 m=36 s=3
